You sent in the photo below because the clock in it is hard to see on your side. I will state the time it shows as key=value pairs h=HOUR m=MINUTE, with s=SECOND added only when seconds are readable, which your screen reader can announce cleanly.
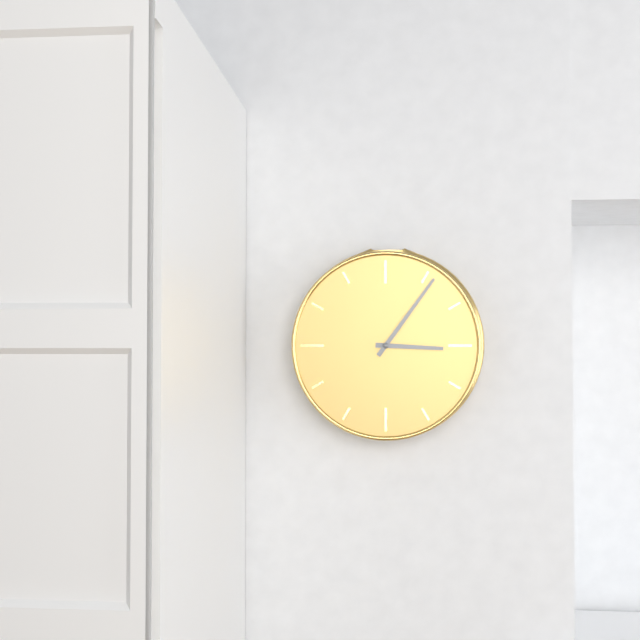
h=3 m=6
